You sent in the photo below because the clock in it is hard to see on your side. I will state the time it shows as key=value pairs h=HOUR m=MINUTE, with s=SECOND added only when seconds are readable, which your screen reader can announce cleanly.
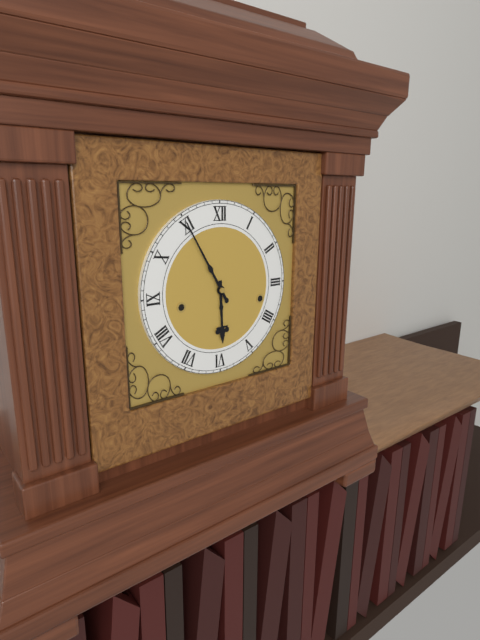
h=5 m=55
